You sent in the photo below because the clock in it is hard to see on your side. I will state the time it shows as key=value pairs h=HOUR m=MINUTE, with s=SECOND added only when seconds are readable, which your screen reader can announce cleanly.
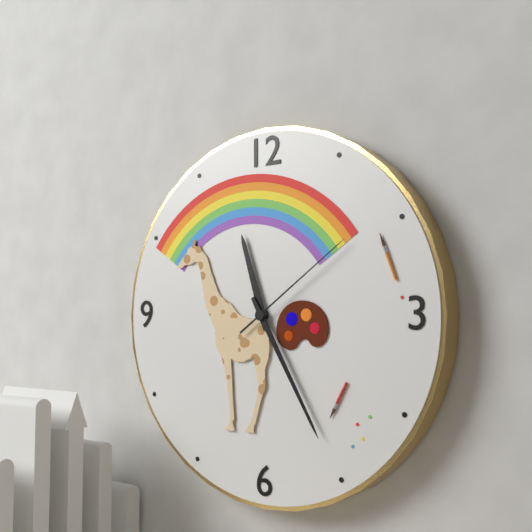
h=11 m=25 s=9
